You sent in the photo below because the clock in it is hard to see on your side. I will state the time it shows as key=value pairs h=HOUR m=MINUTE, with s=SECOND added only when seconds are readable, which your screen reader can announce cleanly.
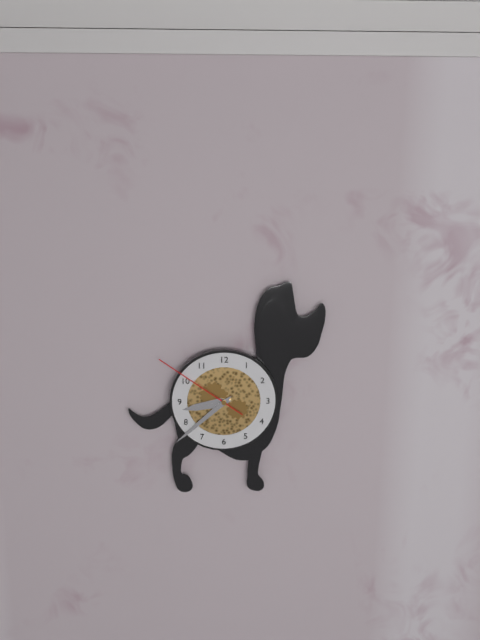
h=8 m=38 s=51
